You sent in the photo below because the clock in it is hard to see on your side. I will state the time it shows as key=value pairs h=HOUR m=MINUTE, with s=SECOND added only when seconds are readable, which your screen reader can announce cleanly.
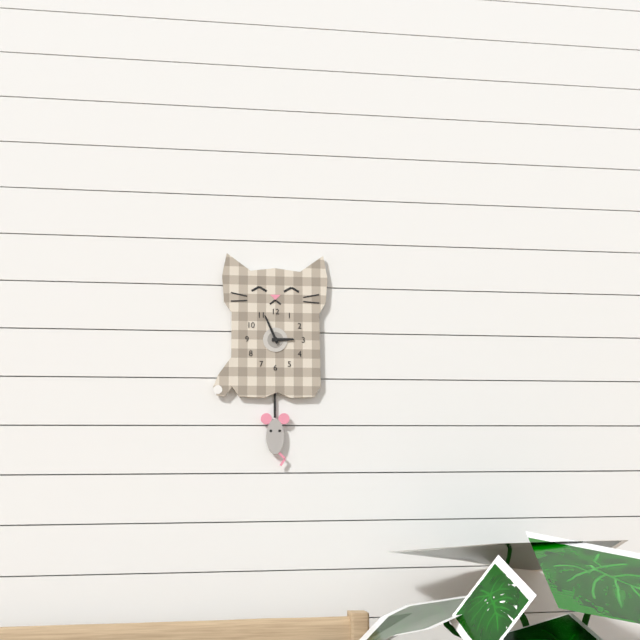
h=2 m=56
